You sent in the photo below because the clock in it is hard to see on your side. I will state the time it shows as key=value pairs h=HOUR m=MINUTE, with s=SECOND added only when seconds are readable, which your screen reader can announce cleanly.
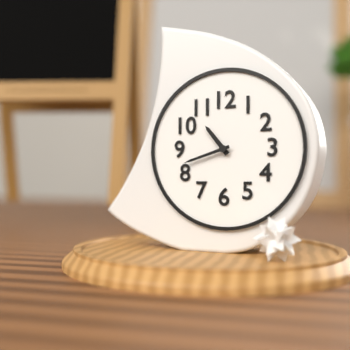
h=10 m=42
